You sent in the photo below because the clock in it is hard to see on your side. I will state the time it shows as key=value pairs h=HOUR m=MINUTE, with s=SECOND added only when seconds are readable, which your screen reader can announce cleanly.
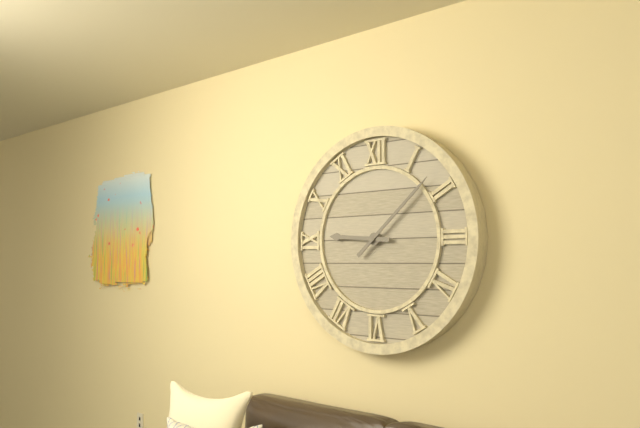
h=9 m=8
